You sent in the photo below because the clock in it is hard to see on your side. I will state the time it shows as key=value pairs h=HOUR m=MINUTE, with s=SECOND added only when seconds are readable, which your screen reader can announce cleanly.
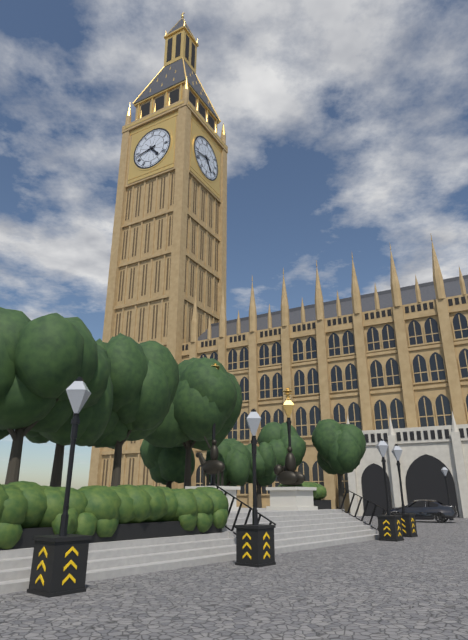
h=4 m=43
